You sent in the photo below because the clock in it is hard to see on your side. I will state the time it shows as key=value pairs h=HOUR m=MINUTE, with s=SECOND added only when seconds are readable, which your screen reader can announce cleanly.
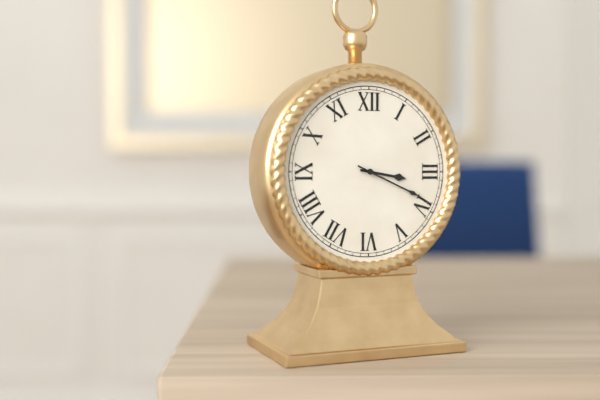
h=3 m=19
